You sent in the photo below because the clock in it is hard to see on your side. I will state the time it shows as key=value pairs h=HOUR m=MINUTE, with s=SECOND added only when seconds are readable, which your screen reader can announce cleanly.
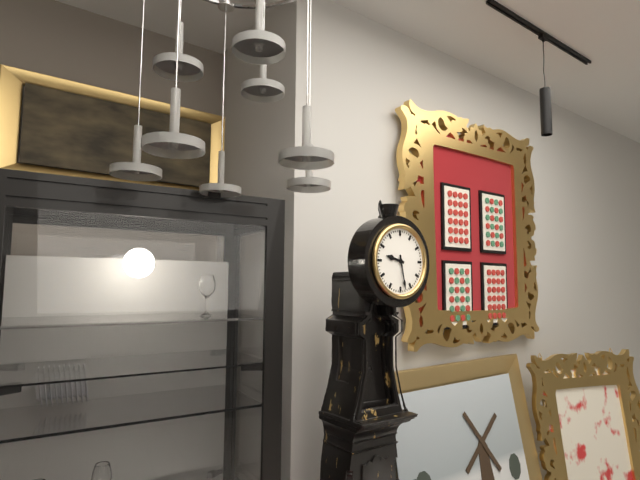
h=9 m=28
